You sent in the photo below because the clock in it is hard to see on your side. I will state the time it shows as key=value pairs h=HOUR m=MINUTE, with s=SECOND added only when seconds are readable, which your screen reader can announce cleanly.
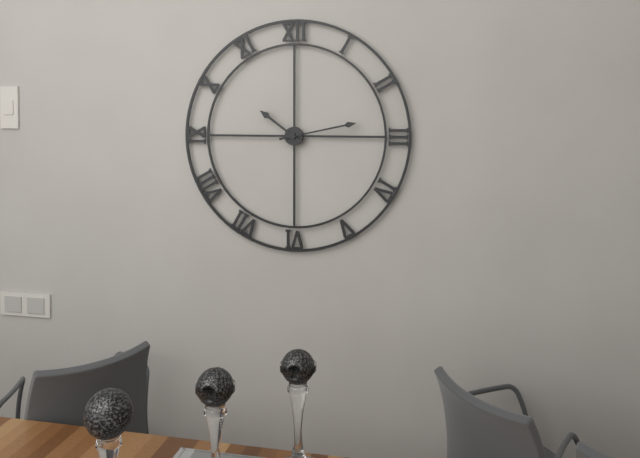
h=10 m=13
